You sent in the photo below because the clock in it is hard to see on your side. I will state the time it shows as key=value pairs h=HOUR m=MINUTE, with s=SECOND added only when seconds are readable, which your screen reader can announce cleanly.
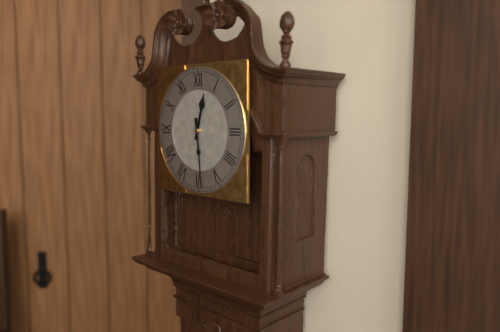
h=12 m=29
